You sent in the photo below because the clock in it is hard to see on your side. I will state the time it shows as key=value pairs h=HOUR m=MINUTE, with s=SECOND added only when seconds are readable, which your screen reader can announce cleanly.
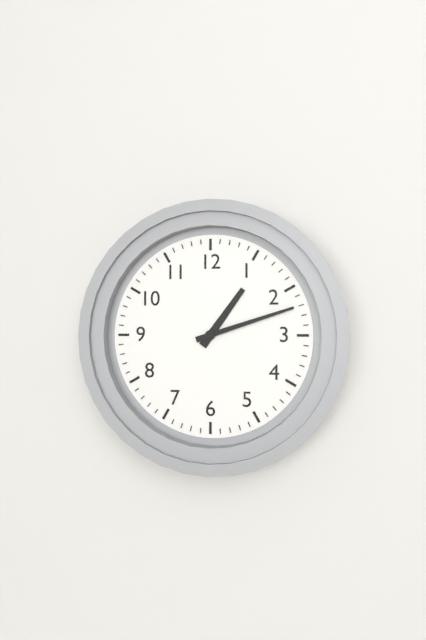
h=1 m=12
